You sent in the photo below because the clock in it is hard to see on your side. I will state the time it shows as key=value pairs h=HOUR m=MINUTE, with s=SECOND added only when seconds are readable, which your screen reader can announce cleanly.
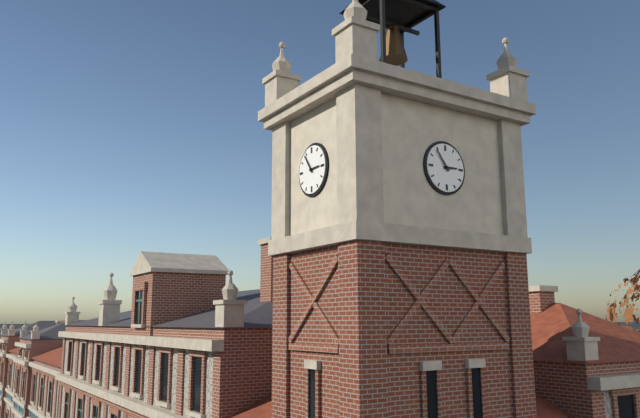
h=2 m=54
